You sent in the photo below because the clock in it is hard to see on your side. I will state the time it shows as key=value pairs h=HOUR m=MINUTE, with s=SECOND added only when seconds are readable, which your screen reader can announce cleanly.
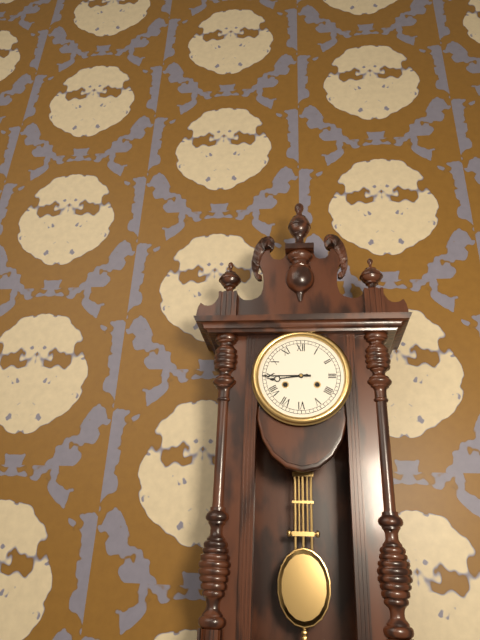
h=8 m=45
